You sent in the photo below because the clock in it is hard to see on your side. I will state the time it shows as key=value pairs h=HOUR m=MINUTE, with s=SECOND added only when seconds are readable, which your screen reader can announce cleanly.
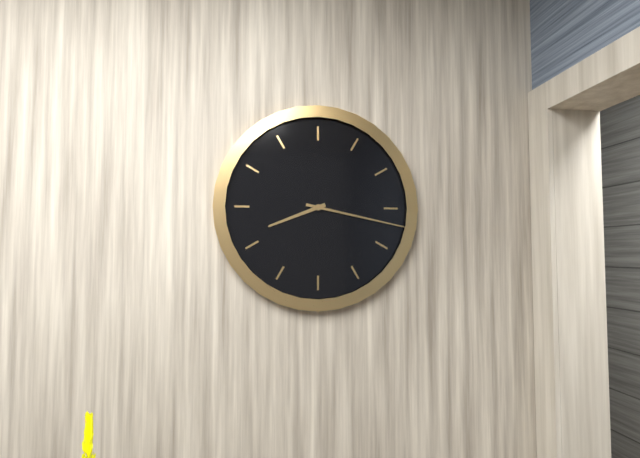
h=8 m=17
